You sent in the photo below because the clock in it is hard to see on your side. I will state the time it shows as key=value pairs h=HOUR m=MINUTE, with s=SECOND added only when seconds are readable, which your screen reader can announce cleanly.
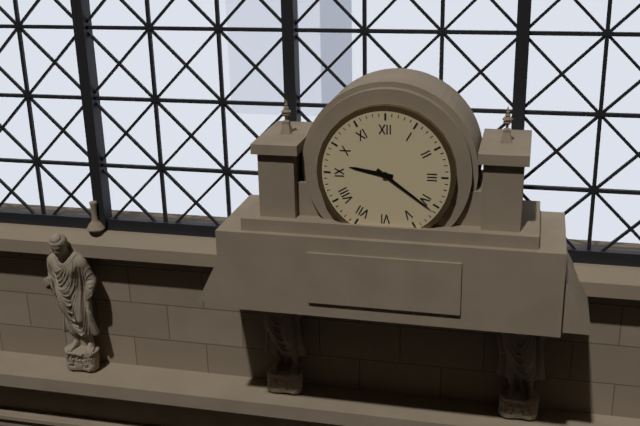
h=9 m=21
